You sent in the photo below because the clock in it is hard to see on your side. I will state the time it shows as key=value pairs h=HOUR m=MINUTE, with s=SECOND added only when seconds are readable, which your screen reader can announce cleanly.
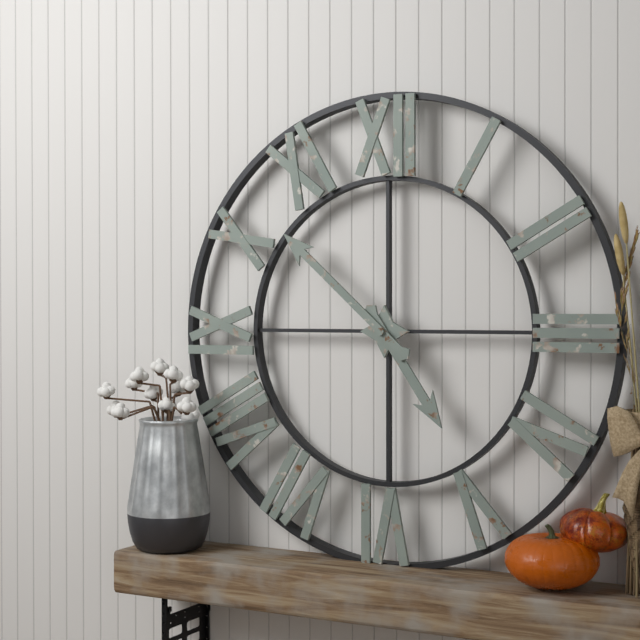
h=4 m=52
